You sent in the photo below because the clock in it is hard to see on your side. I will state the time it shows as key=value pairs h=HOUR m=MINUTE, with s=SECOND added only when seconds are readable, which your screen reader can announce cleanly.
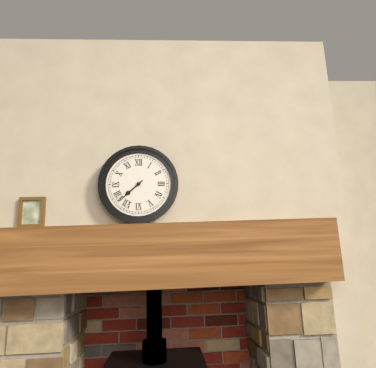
h=7 m=38
